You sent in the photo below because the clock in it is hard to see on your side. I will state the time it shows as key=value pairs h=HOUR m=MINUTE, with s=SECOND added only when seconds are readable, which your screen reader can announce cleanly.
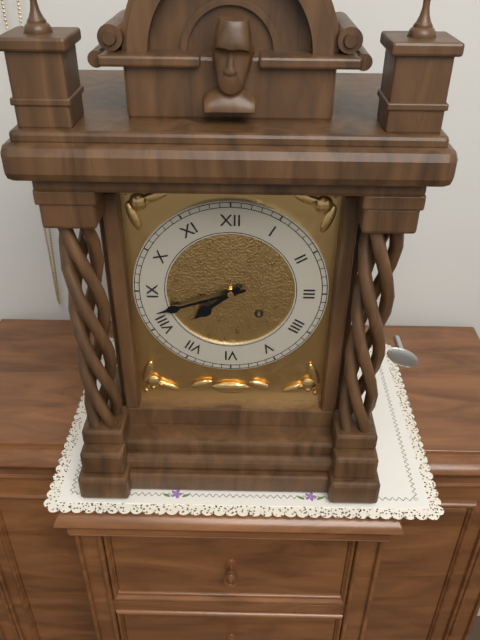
h=7 m=42
